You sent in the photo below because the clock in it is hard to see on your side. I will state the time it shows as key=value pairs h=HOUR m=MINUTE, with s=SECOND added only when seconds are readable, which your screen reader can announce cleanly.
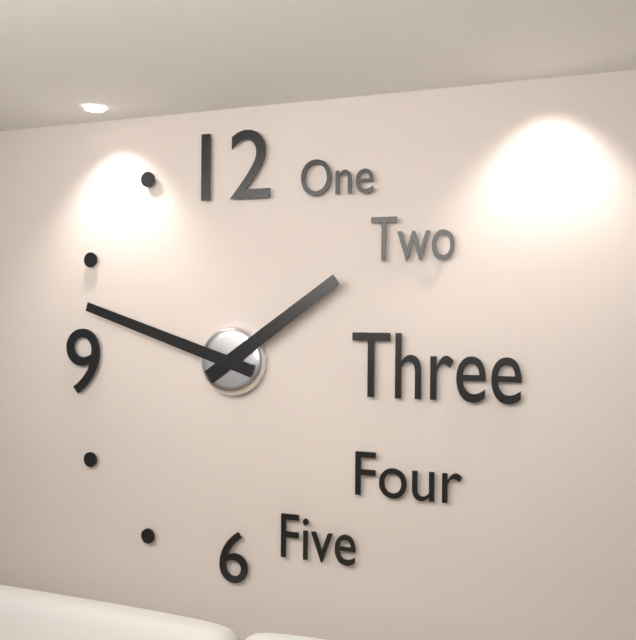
h=1 m=48
